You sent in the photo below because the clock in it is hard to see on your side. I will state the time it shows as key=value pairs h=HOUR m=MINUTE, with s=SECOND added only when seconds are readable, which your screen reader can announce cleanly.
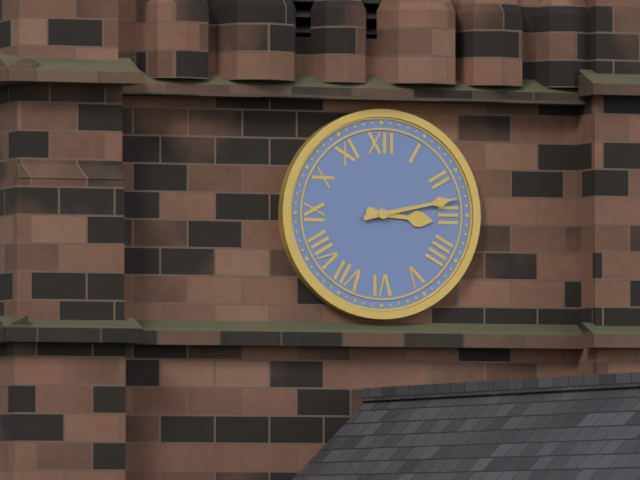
h=3 m=13
